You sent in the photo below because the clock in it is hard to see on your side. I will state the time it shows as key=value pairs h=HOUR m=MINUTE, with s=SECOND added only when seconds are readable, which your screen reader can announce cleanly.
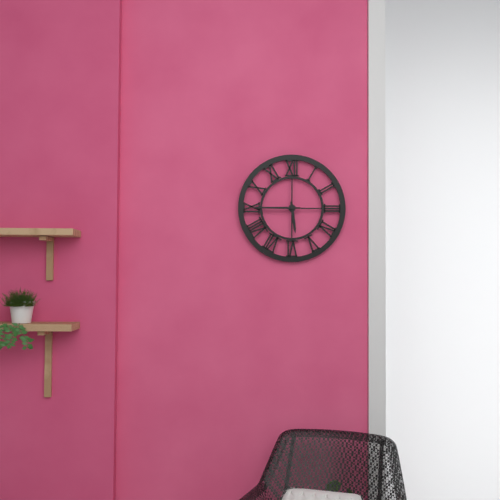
h=5 m=45
